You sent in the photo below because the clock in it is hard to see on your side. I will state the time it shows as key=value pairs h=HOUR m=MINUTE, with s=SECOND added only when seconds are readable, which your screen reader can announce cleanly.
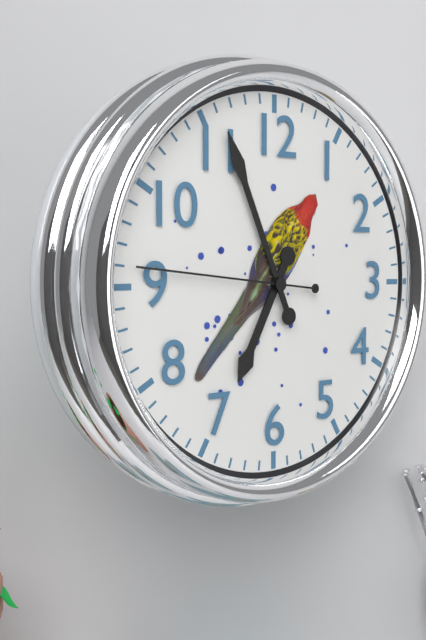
h=6 m=56 s=46
